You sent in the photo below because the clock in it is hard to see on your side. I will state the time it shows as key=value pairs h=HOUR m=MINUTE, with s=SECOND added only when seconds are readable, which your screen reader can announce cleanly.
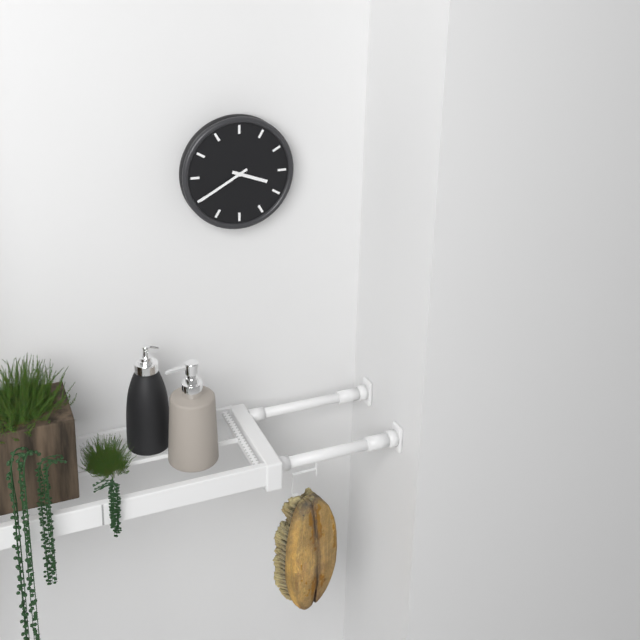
h=3 m=40
